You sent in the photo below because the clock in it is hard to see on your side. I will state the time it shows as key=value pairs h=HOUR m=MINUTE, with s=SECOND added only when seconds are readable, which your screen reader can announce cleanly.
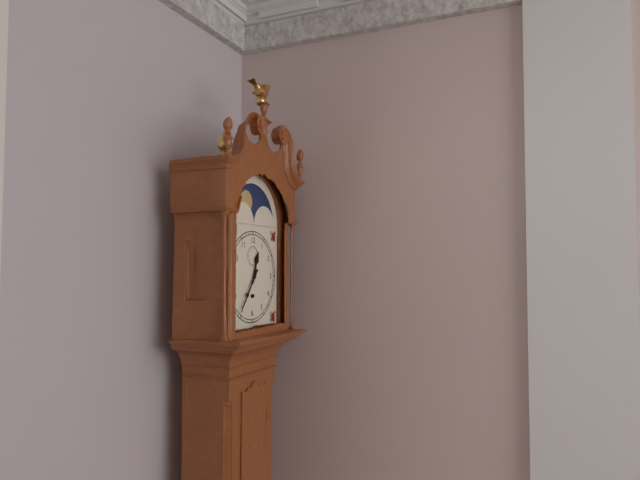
h=12 m=36
